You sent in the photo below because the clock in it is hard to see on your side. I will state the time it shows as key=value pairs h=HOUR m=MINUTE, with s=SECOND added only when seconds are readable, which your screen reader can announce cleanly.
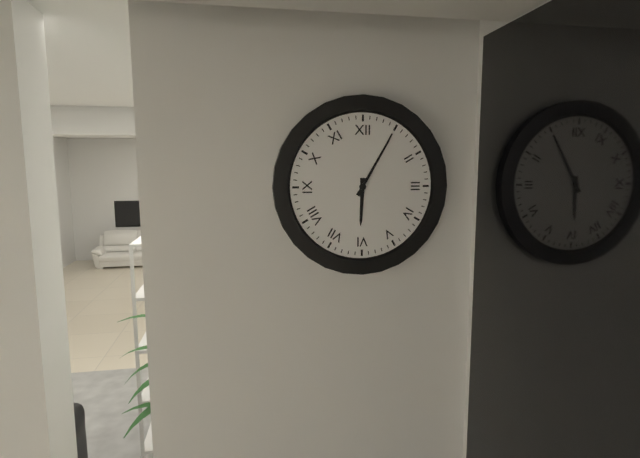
h=6 m=5
